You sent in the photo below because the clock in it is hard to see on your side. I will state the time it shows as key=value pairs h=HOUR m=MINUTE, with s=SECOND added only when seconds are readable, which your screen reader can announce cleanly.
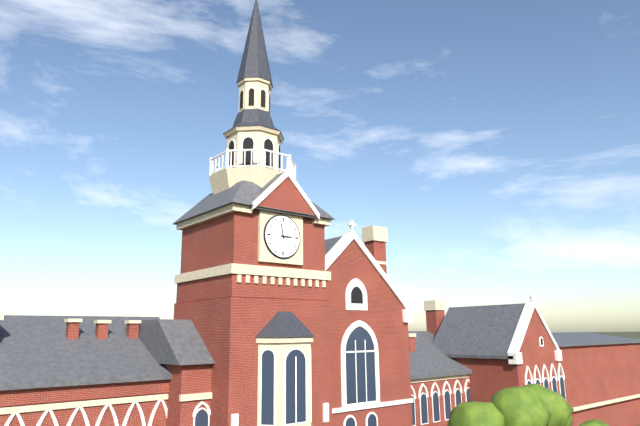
h=2 m=58
